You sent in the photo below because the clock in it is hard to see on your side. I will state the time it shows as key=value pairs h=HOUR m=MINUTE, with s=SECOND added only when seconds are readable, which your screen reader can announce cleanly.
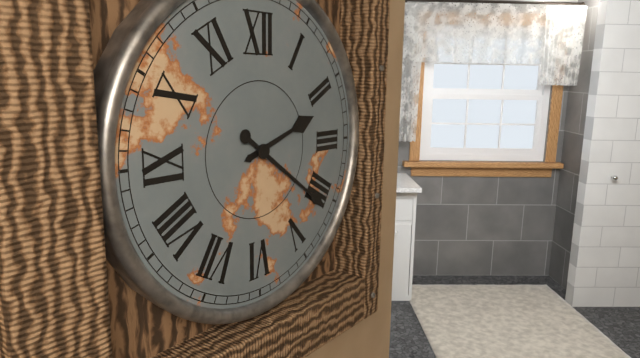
h=2 m=21
